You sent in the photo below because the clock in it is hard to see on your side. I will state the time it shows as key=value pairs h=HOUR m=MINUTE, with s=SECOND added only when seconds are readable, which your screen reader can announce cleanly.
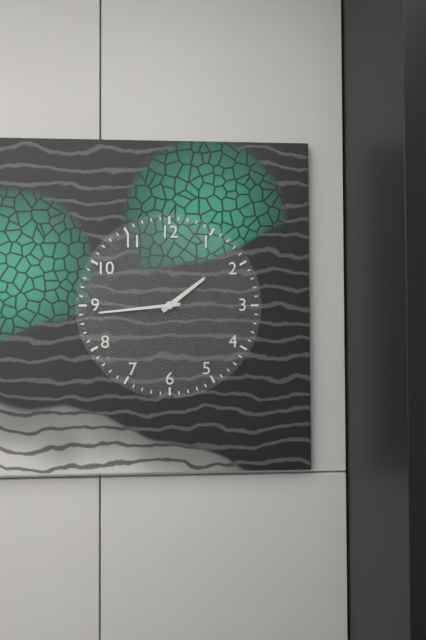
h=1 m=44
